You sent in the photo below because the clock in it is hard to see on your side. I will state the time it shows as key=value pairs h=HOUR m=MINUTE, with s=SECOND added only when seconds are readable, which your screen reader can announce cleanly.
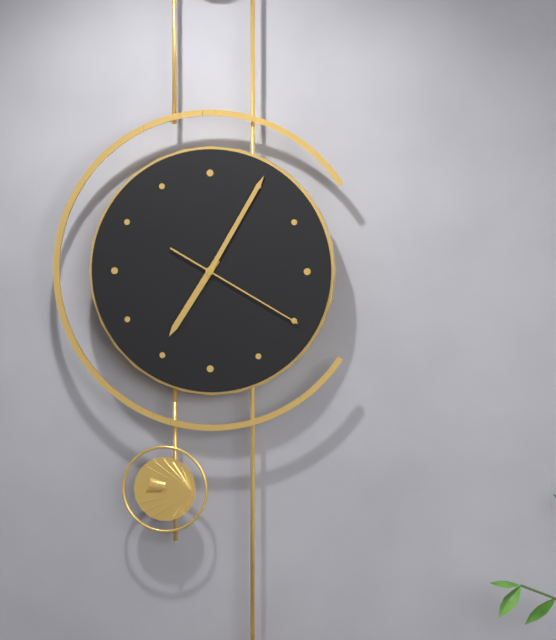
h=7 m=5 s=20
